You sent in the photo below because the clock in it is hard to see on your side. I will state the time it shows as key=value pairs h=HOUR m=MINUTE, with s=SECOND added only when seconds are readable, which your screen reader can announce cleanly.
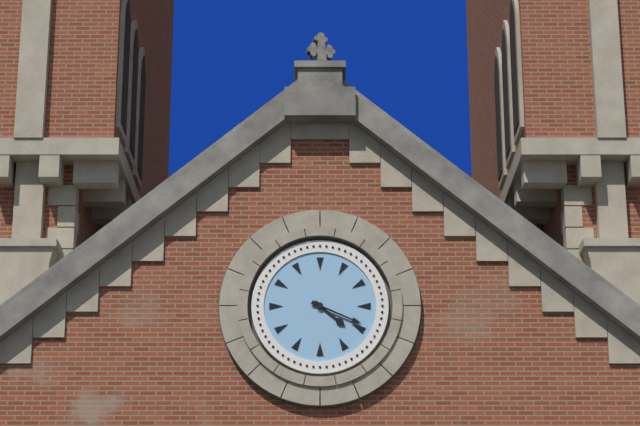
h=4 m=19
